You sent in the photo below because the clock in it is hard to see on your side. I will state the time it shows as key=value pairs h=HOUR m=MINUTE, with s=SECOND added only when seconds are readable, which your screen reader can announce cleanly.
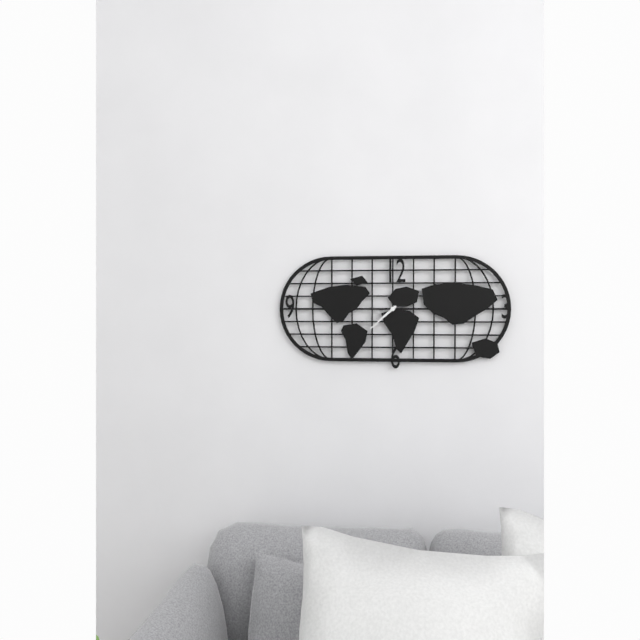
h=7 m=38
